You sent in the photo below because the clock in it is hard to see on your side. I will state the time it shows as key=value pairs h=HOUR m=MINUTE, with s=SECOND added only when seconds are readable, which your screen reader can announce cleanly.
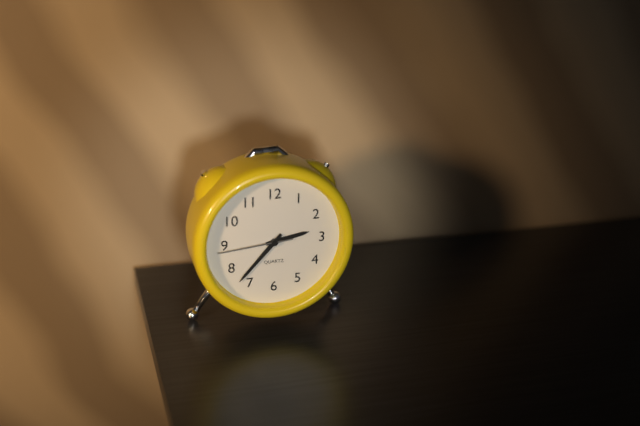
h=2 m=37 s=44
